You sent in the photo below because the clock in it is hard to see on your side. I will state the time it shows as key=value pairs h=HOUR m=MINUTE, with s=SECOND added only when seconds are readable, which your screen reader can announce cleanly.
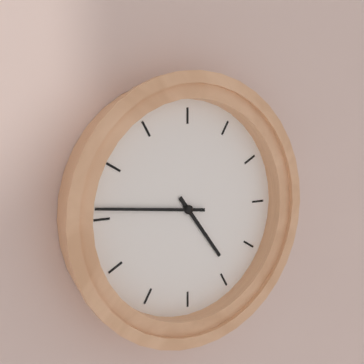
h=4 m=46
